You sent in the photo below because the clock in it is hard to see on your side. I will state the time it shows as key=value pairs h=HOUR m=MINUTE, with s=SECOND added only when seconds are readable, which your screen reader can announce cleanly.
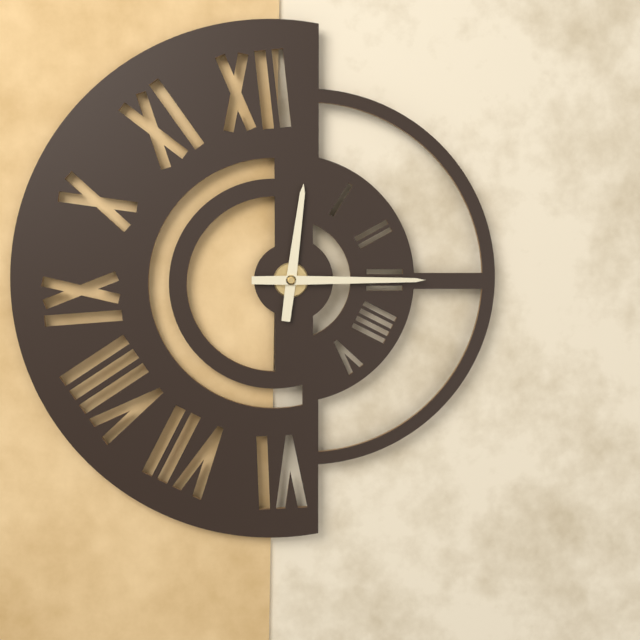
h=12 m=15
